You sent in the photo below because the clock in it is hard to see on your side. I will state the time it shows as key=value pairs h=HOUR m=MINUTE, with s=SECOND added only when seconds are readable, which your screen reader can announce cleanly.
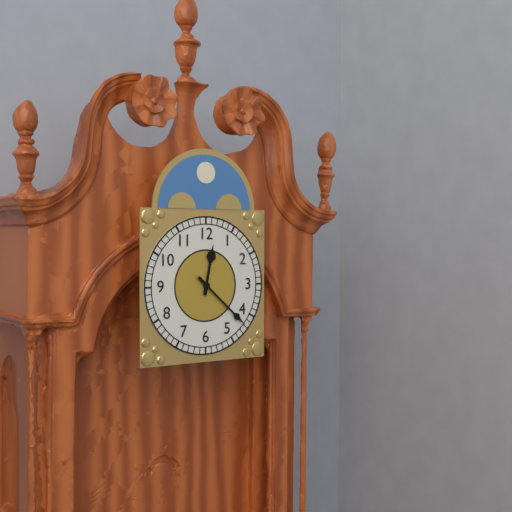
h=12 m=22
